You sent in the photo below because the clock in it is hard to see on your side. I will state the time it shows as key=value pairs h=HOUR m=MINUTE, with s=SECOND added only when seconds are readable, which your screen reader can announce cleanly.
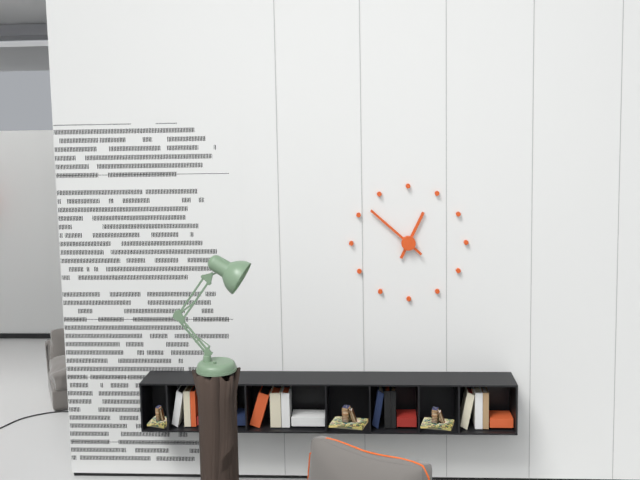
h=12 m=52
